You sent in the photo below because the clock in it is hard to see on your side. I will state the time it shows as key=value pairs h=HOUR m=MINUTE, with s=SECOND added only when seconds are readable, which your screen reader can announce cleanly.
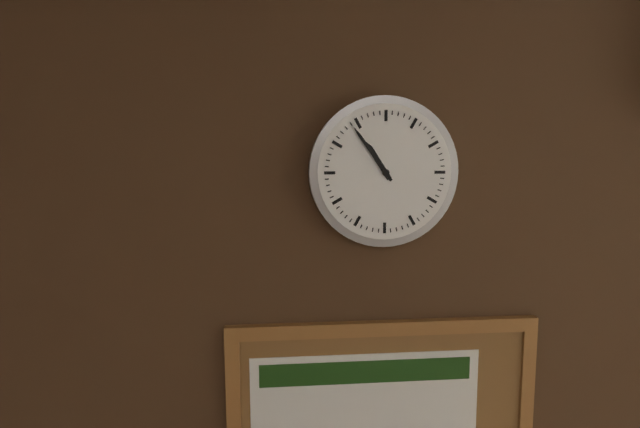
h=10 m=54
